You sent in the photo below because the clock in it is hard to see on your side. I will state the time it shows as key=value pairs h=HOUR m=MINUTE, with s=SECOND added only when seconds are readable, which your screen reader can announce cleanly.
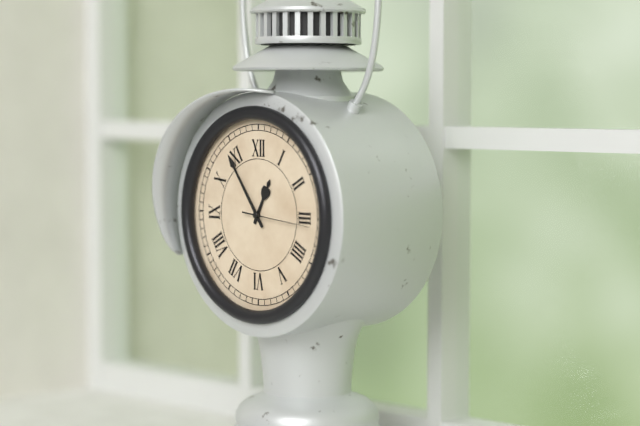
h=12 m=54 s=16
